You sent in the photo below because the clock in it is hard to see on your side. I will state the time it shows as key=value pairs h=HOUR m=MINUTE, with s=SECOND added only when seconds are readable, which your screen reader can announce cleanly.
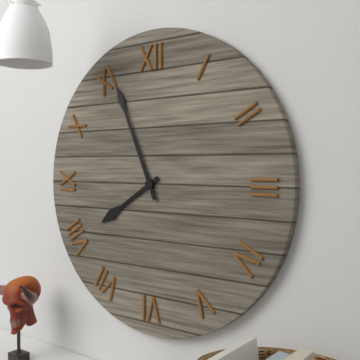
h=7 m=56
